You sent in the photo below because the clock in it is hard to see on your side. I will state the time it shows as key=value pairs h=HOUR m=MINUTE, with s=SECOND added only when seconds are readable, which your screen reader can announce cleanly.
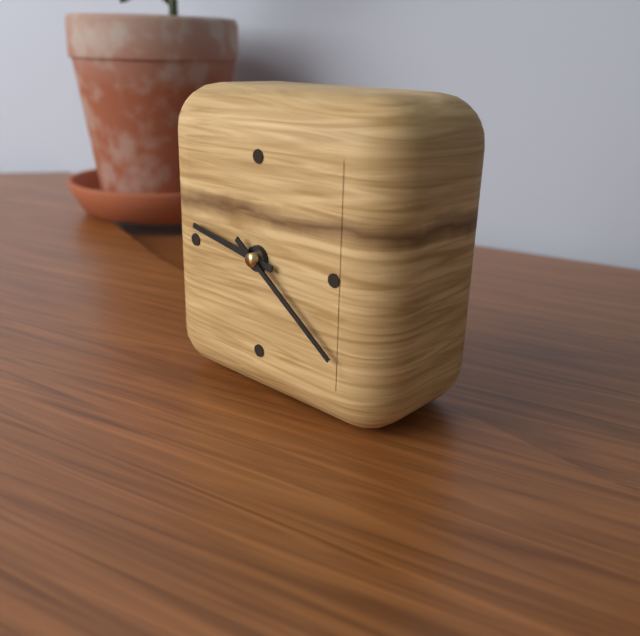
h=9 m=21
